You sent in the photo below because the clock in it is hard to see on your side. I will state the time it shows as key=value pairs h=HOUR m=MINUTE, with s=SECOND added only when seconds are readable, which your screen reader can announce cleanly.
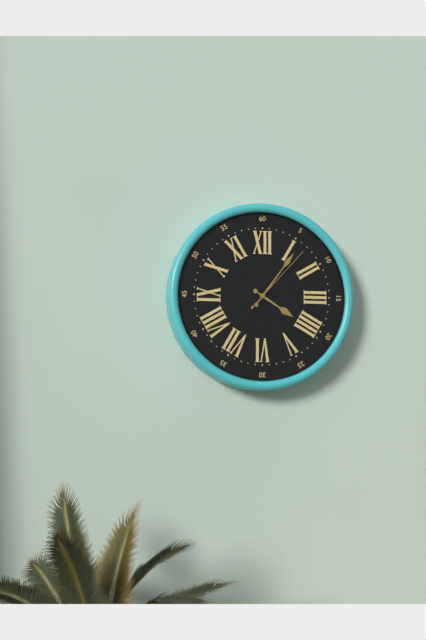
h=4 m=6 s=7
